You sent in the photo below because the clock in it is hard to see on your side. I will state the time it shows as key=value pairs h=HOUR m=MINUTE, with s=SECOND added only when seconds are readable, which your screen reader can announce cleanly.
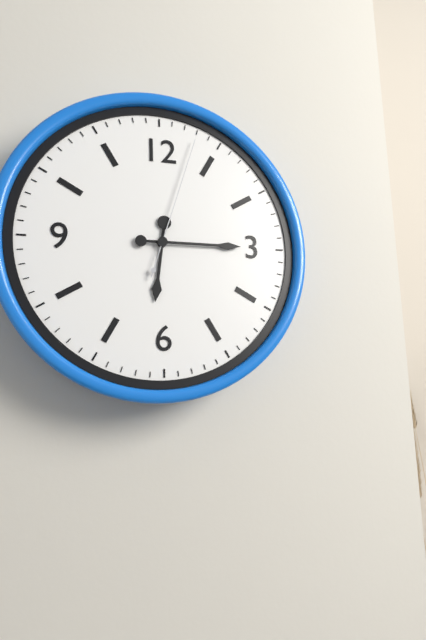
h=6 m=15 s=3
